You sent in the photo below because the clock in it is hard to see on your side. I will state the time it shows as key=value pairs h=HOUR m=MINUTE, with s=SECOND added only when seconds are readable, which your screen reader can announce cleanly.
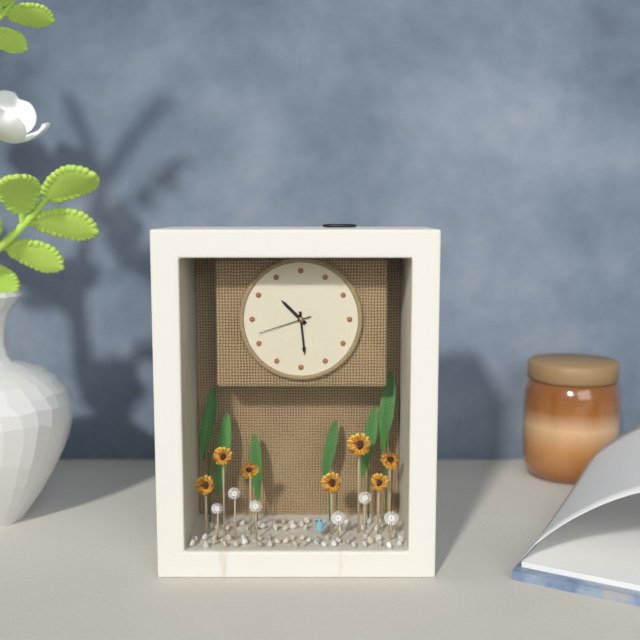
h=10 m=29 s=42
